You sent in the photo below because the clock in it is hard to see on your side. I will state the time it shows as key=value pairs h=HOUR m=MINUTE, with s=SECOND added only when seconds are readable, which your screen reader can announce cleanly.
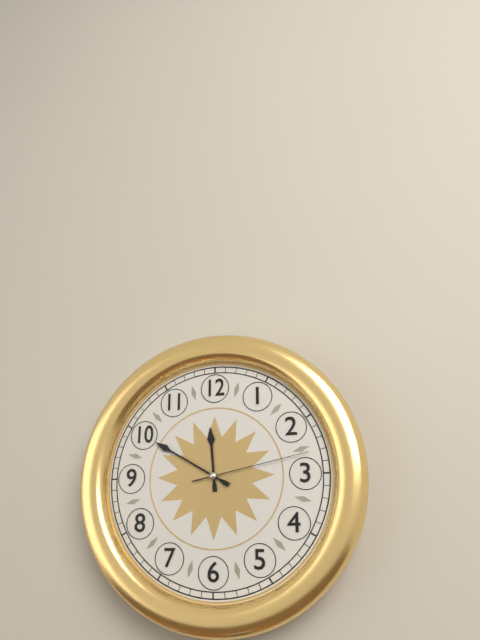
h=11 m=50 s=13
